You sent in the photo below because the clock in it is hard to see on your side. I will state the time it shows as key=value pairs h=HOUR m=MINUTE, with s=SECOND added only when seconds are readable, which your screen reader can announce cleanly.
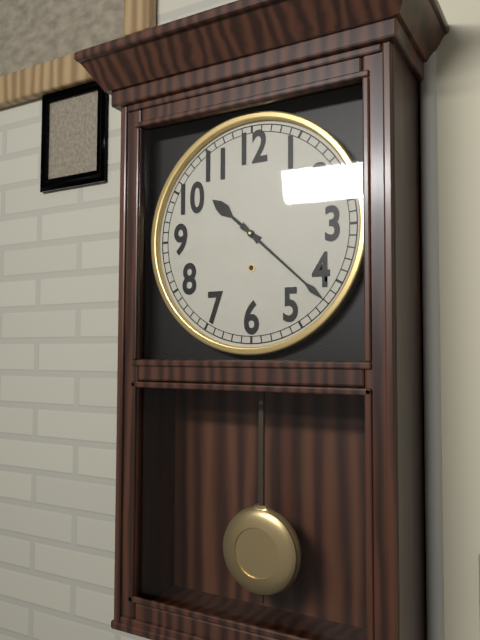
h=10 m=22
